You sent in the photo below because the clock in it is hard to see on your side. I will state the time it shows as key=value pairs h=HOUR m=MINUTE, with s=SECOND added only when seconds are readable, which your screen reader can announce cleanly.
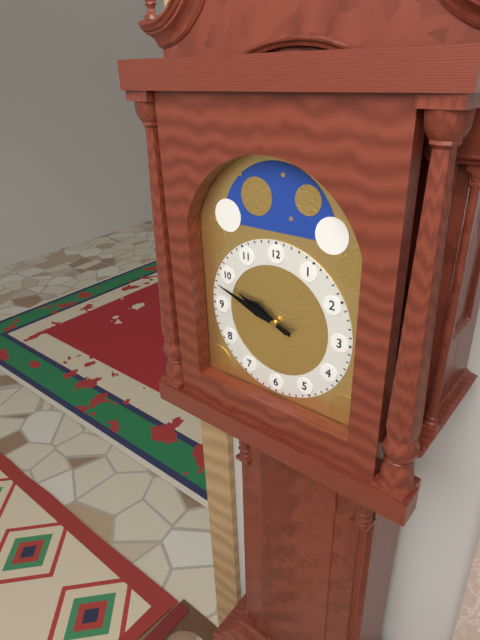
h=9 m=48
